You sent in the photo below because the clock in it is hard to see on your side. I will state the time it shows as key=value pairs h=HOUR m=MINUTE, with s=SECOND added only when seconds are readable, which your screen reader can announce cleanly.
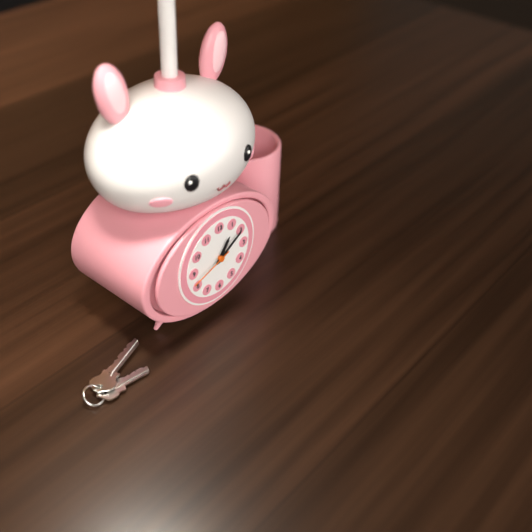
h=1 m=10
